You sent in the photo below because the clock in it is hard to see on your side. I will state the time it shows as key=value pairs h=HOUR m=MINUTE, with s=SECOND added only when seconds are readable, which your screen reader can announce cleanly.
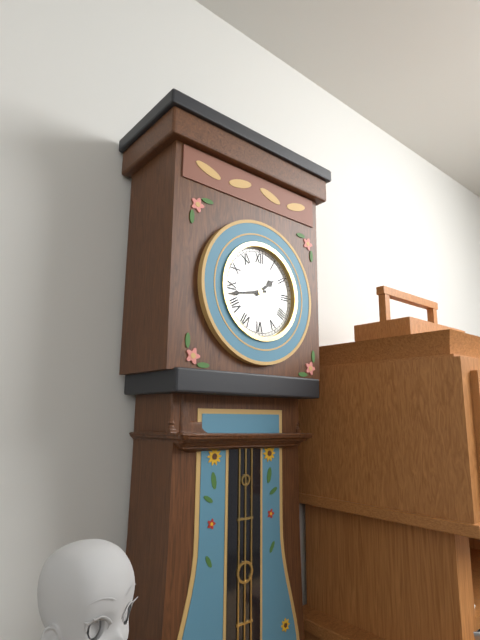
h=1 m=43
